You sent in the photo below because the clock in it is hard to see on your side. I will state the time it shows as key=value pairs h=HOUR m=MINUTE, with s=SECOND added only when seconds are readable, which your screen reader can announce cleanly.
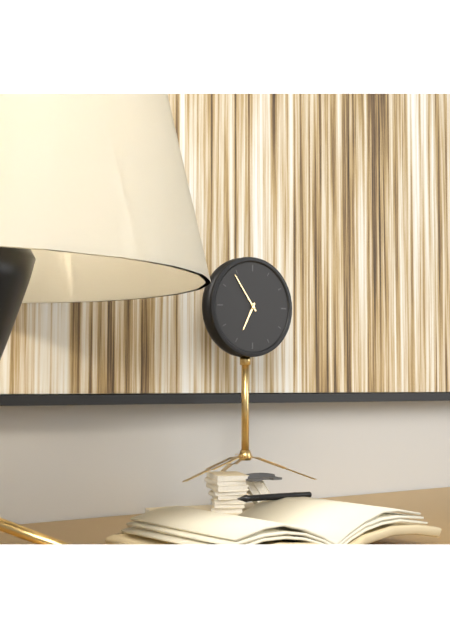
h=6 m=54
